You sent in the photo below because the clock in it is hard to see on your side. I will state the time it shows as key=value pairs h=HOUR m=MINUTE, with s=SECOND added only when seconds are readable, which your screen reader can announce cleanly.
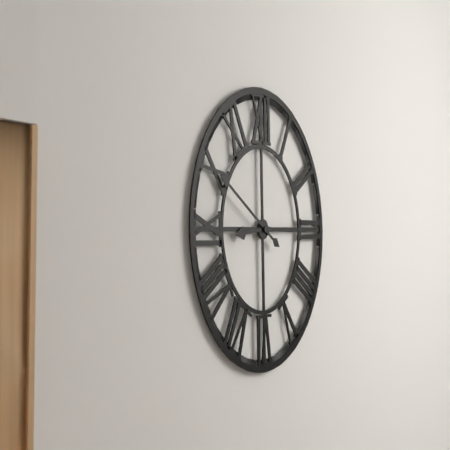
h=8 m=50
